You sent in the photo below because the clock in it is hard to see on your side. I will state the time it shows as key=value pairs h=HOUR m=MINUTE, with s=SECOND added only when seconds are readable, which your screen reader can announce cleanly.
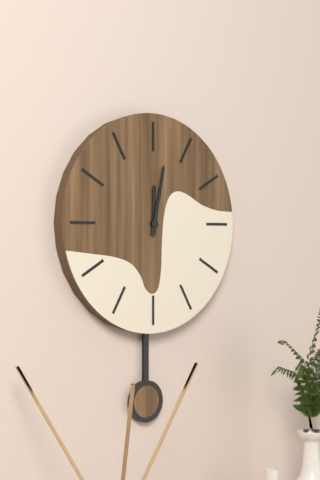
h=12 m=2
